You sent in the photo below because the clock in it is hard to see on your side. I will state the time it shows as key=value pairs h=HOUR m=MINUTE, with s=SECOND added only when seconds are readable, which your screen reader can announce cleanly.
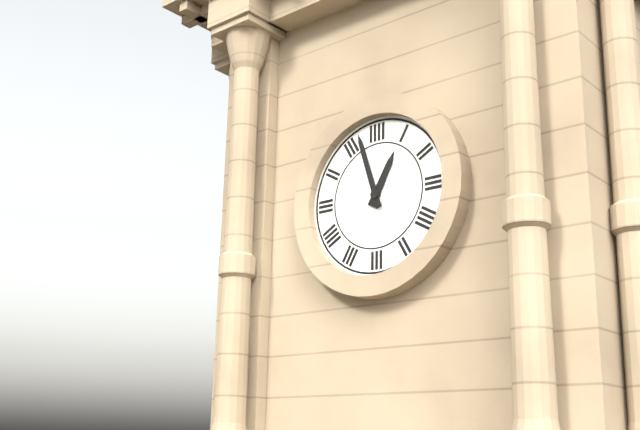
h=12 m=57
